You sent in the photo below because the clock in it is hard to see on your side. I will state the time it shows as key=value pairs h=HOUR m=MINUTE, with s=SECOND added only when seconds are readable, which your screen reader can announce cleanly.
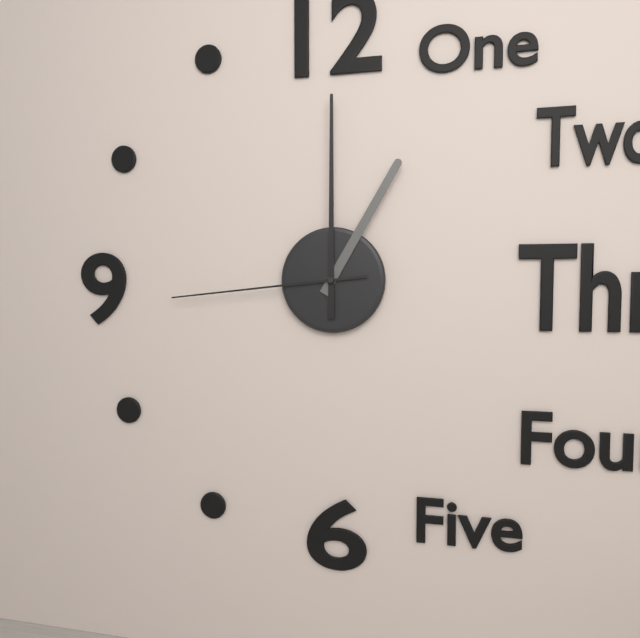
h=1 m=0 s=44
